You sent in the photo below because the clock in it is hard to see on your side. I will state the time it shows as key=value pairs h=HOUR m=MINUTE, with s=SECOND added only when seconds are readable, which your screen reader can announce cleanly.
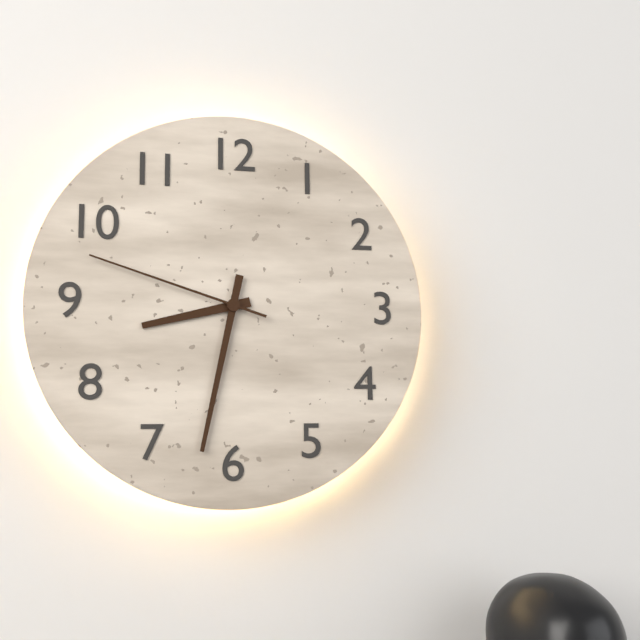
h=8 m=32 s=48
